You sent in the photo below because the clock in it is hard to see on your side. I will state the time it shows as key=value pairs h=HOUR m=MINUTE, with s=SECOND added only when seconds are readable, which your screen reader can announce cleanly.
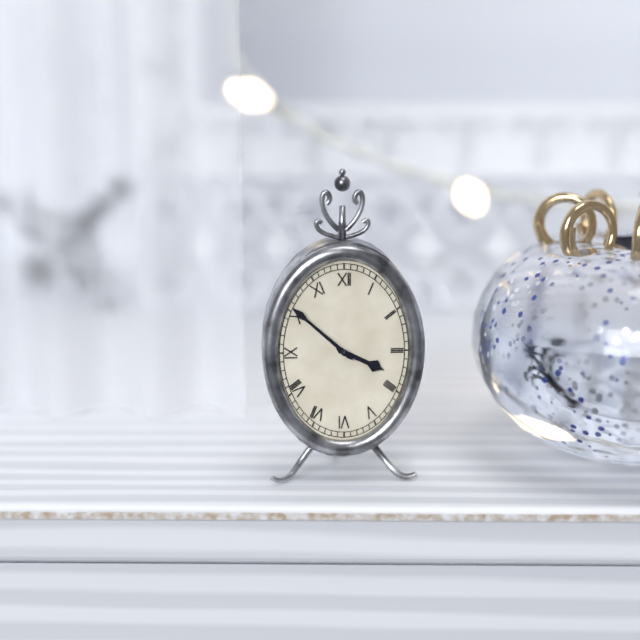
h=3 m=52
